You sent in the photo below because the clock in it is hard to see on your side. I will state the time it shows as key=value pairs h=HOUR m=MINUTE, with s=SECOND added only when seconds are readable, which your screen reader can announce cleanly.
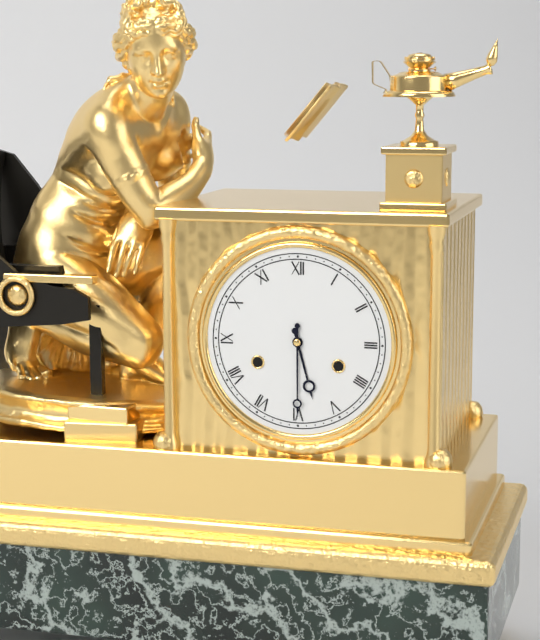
h=5 m=30
